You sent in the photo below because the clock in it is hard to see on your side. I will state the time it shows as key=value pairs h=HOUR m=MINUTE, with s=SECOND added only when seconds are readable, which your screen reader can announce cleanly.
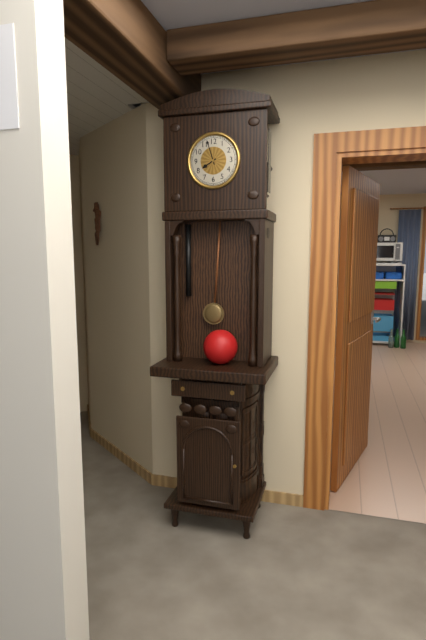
h=7 m=57
